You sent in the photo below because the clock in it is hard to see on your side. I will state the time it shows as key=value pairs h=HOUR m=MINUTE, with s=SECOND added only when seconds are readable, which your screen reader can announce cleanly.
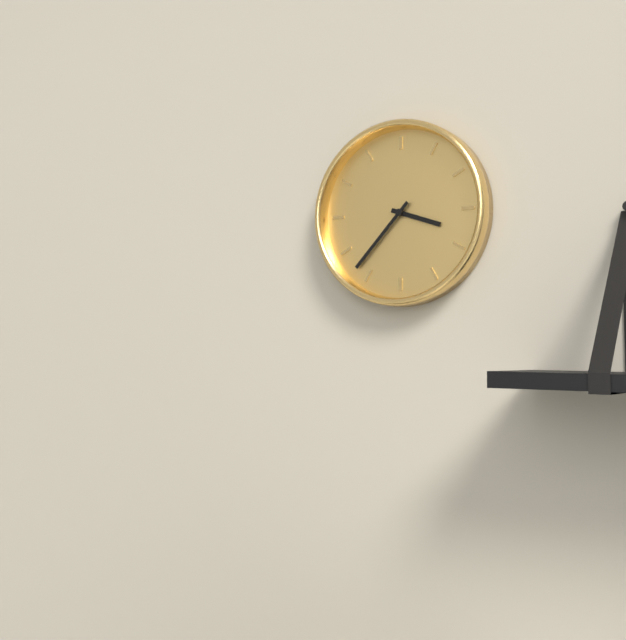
h=3 m=37
